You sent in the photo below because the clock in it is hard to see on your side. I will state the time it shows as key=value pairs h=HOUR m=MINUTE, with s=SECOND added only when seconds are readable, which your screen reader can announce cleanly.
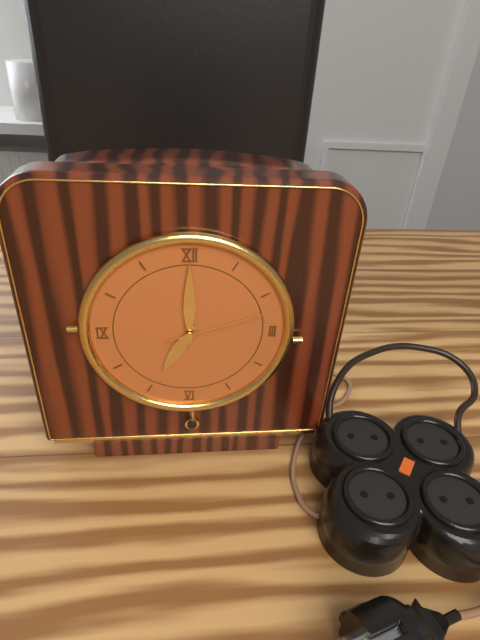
h=7 m=0 s=12
